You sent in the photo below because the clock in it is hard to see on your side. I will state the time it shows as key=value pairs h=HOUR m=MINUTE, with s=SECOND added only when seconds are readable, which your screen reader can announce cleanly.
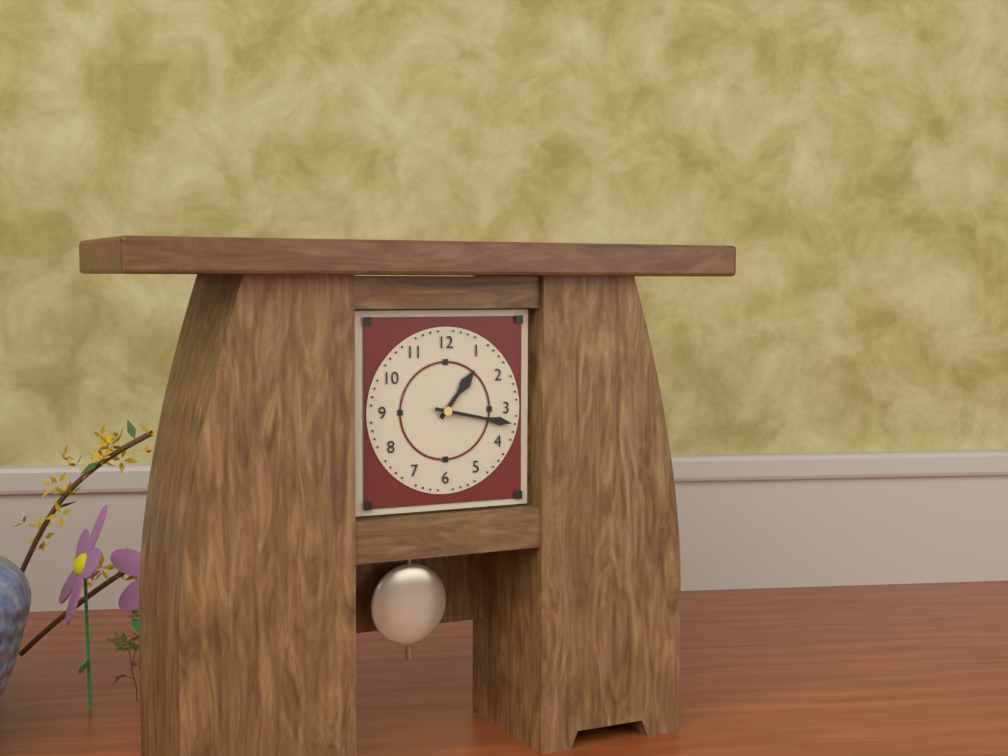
h=1 m=17
